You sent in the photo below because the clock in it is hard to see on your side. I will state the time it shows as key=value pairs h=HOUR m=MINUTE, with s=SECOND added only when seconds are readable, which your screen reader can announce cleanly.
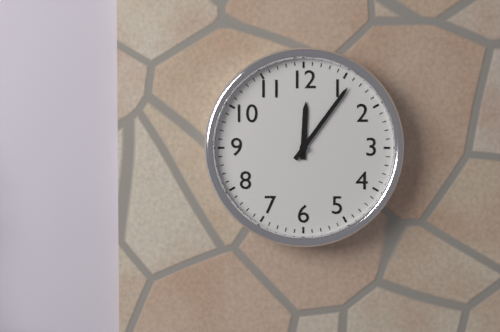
h=12 m=6
